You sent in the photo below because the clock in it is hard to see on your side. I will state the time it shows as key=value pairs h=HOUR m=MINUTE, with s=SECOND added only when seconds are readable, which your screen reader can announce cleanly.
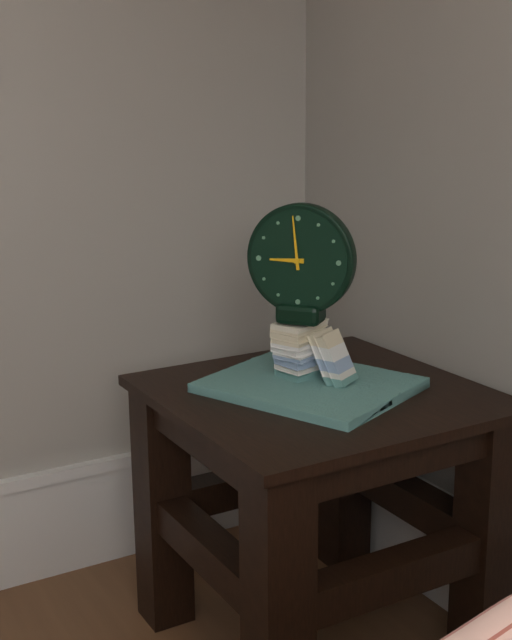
h=8 m=59
